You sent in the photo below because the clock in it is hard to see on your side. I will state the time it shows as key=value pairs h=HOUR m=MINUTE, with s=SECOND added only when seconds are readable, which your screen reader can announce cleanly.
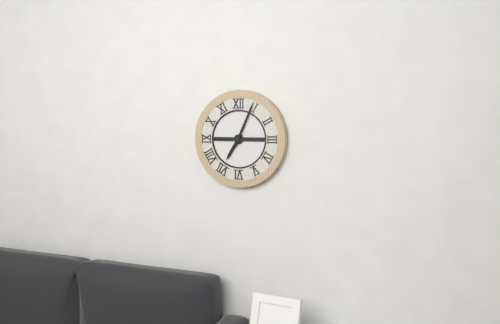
h=7 m=4
